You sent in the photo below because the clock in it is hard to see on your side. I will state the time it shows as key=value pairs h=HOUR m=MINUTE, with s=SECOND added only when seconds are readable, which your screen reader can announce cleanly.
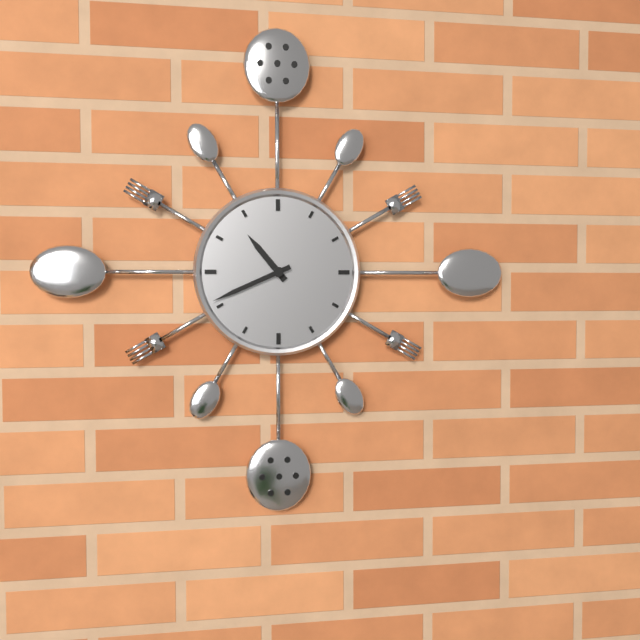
h=10 m=41
